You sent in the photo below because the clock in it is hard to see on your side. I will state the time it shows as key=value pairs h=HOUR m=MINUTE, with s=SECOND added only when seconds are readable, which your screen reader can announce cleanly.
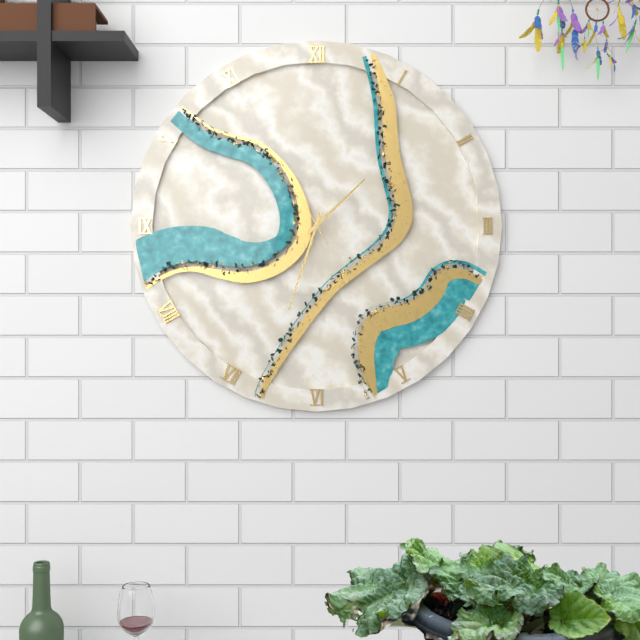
h=1 m=33 s=55
